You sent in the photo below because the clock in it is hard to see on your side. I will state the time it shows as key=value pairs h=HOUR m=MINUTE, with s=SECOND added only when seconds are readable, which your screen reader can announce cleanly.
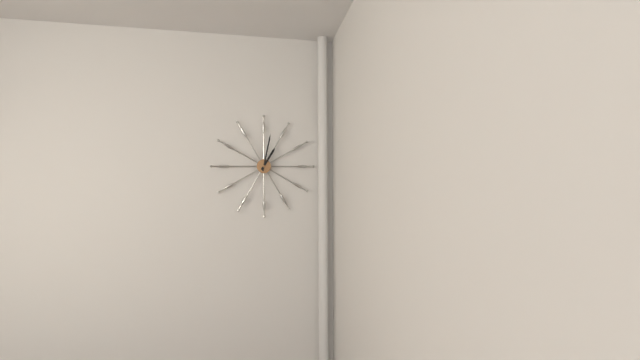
h=1 m=2
